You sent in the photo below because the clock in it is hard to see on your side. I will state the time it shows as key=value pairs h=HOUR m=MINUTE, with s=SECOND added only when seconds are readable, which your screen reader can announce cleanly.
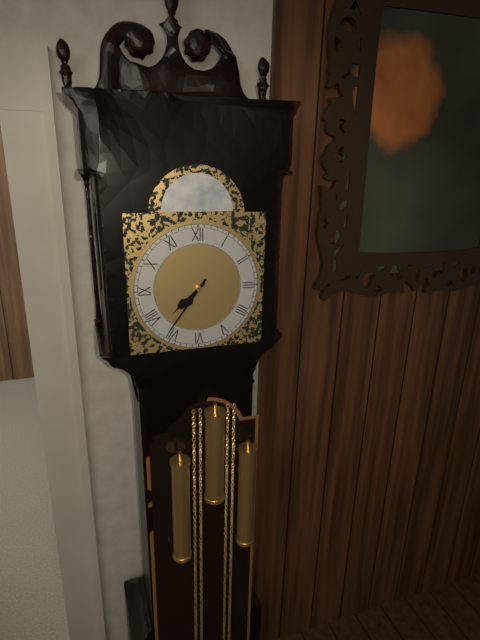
h=7 m=36
